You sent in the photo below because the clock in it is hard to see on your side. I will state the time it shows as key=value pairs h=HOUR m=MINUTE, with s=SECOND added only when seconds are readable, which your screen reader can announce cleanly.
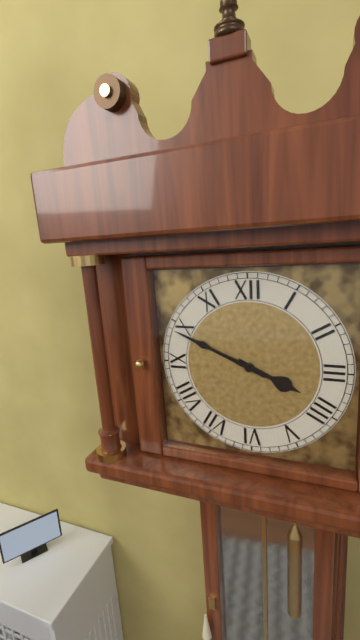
h=3 m=49
